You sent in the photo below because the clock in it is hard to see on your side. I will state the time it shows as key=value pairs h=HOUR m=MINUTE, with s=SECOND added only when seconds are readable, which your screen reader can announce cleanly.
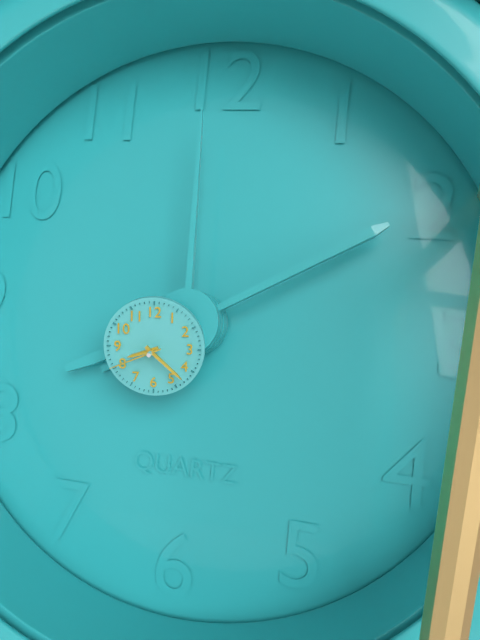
h=8 m=22 s=41
